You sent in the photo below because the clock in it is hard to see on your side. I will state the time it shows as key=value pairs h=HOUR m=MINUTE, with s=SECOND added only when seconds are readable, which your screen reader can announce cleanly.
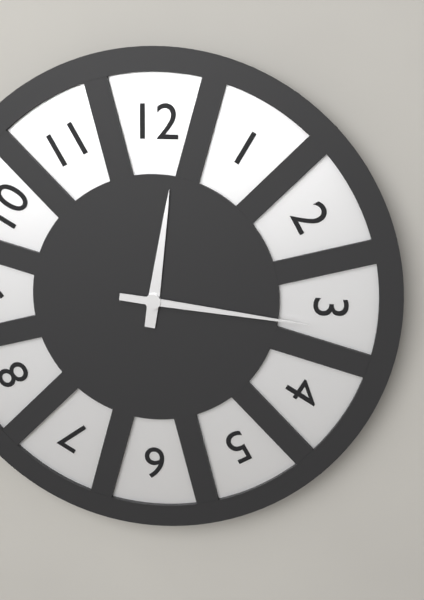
h=12 m=16
